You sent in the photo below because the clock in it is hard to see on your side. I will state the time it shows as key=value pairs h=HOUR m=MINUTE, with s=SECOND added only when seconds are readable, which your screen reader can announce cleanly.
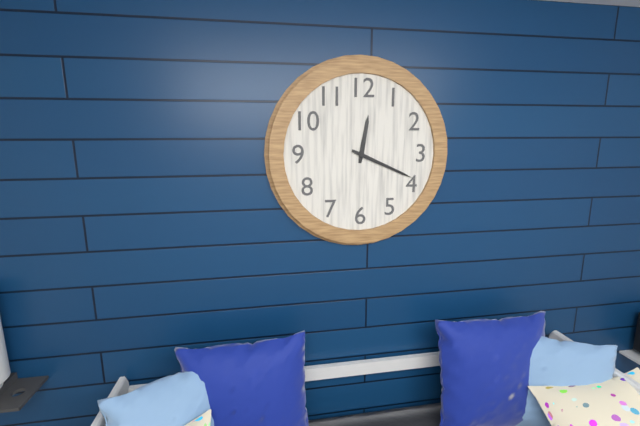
h=12 m=19
